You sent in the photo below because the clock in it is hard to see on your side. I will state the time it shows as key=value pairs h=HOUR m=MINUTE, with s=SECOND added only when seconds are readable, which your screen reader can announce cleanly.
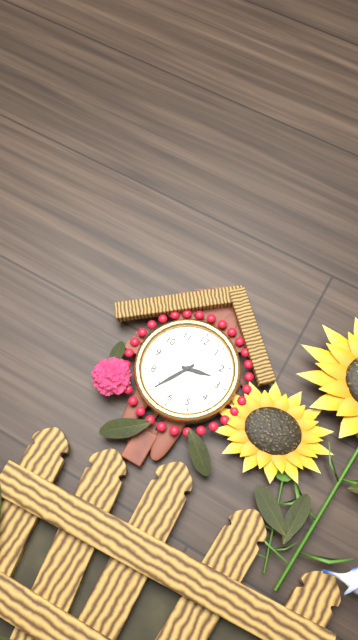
h=2 m=35
